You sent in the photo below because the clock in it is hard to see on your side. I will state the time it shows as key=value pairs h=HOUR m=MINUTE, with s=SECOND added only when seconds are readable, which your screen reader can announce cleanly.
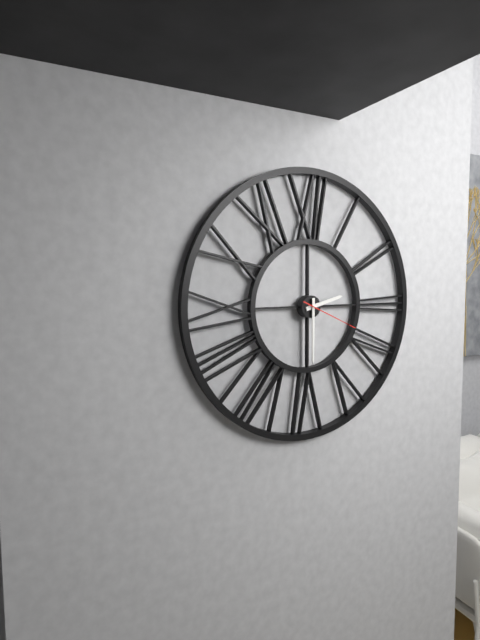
h=2 m=30 s=19
